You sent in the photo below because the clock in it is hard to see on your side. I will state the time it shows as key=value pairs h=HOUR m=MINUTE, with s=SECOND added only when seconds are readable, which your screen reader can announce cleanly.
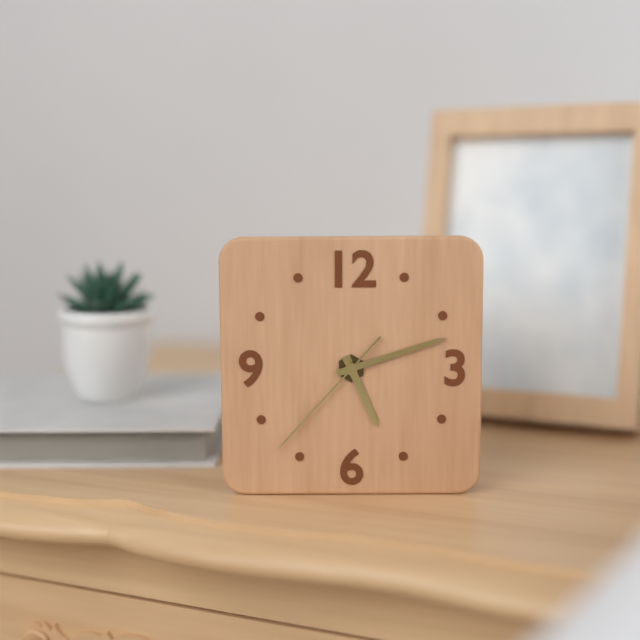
h=5 m=12 s=37
